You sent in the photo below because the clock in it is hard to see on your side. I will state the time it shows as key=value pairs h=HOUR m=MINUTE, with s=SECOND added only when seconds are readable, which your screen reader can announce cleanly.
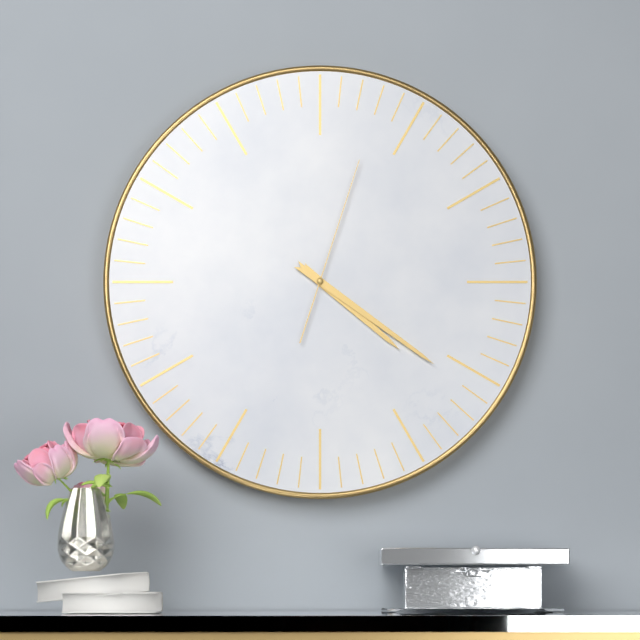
h=4 m=21 s=3
